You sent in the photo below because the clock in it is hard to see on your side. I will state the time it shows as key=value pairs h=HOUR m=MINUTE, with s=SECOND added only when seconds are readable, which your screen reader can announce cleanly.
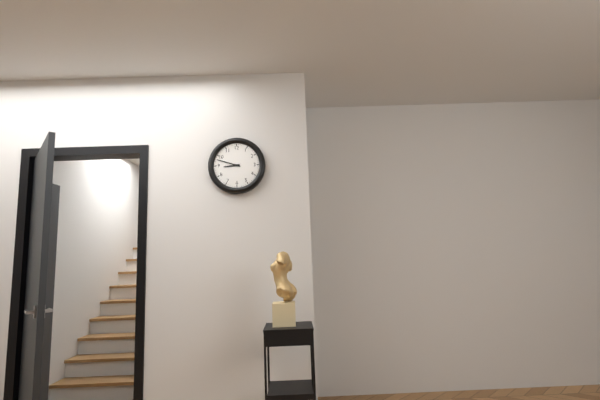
h=8 m=48
